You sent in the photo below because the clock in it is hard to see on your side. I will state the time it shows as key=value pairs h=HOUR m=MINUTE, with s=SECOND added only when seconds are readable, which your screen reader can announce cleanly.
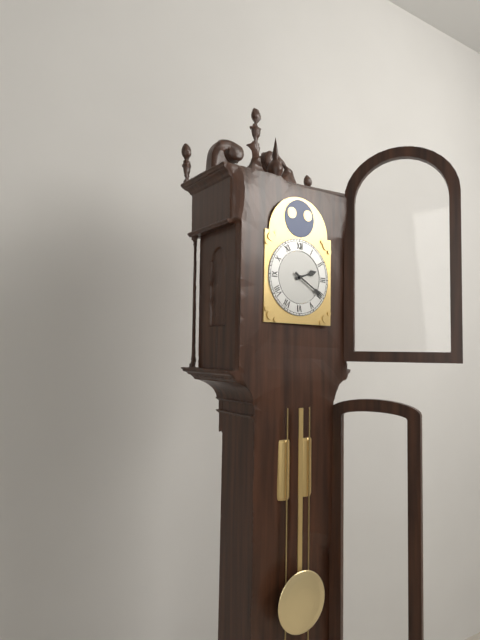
h=2 m=20
